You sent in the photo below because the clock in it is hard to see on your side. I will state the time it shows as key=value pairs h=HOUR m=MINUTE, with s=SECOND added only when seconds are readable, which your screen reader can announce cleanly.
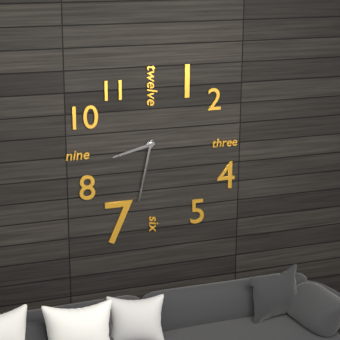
h=8 m=32
